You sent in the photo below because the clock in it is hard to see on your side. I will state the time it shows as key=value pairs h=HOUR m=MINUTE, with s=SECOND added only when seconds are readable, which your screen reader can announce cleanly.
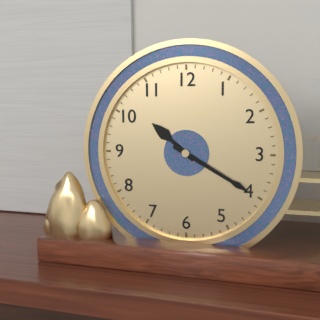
h=10 m=20
